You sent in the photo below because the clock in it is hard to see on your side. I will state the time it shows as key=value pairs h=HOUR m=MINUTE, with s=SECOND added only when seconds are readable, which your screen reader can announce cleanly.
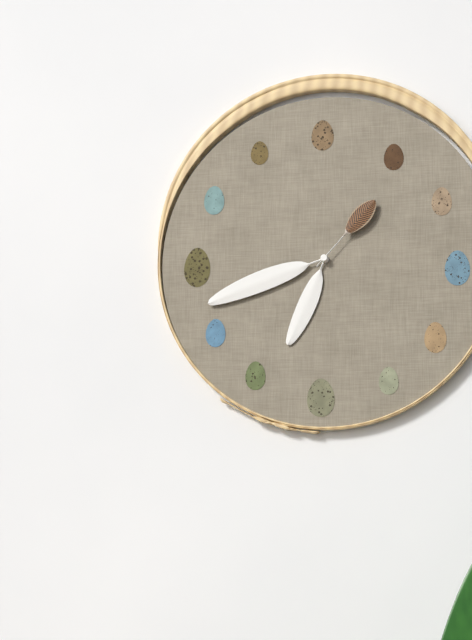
h=6 m=42 s=7
